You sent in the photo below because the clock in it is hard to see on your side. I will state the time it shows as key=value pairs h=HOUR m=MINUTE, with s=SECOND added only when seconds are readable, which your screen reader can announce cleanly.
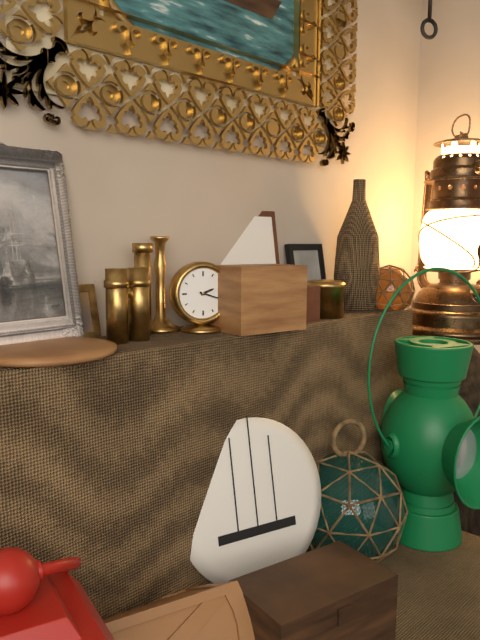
h=2 m=18
